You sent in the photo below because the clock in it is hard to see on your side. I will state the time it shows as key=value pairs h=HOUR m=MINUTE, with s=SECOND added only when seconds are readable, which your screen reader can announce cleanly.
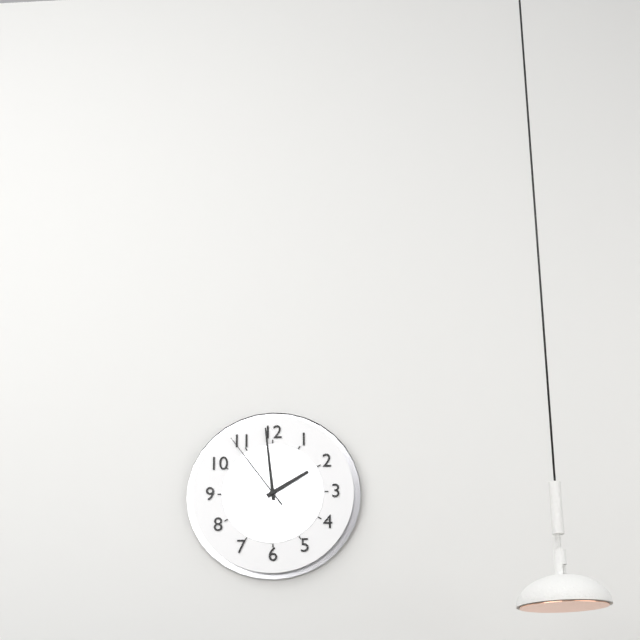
h=1 m=59 s=54
